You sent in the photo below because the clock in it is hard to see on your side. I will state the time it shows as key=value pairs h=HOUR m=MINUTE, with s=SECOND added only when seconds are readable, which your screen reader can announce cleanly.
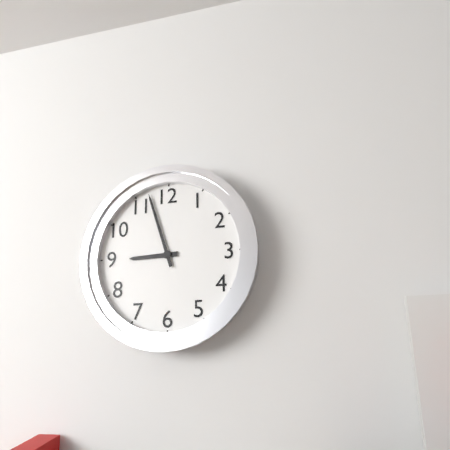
h=8 m=57
